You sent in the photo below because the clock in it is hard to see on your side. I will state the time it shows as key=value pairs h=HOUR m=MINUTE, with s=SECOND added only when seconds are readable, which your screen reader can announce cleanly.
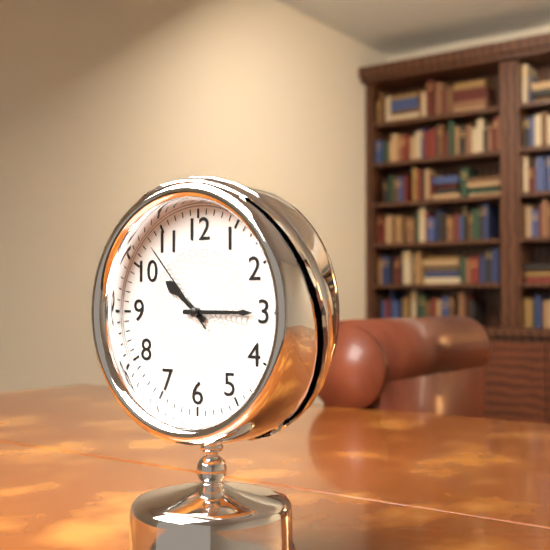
h=10 m=15 s=53
